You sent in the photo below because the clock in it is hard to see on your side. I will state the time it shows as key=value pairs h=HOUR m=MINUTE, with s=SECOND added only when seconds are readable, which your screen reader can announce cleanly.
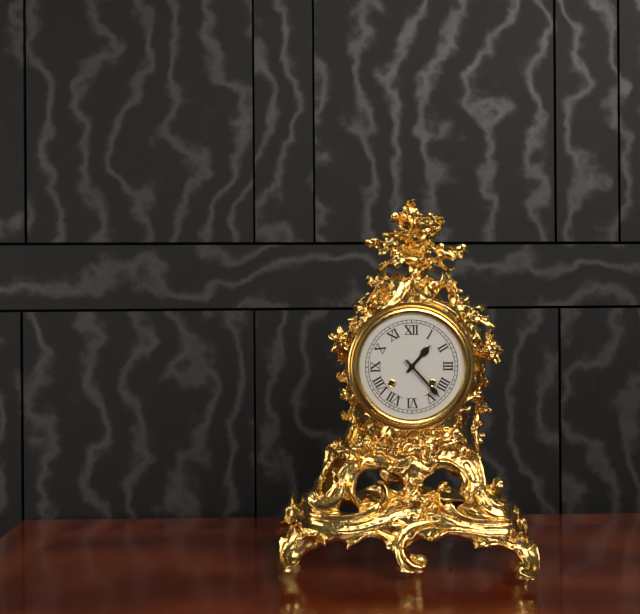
h=1 m=23
